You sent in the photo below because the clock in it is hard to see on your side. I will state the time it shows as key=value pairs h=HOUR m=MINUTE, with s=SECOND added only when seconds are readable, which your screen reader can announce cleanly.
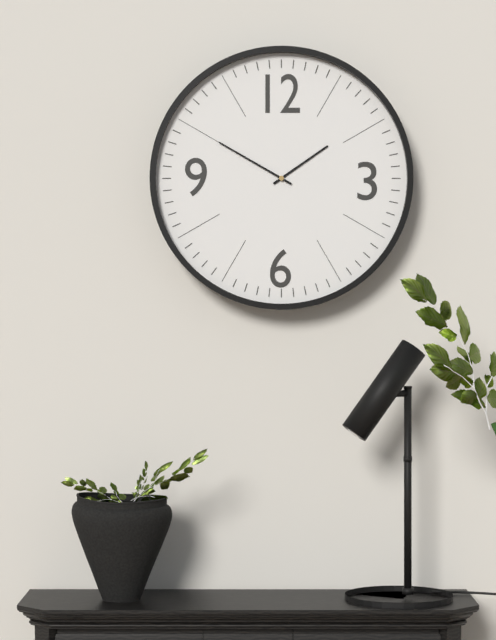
h=1 m=50
